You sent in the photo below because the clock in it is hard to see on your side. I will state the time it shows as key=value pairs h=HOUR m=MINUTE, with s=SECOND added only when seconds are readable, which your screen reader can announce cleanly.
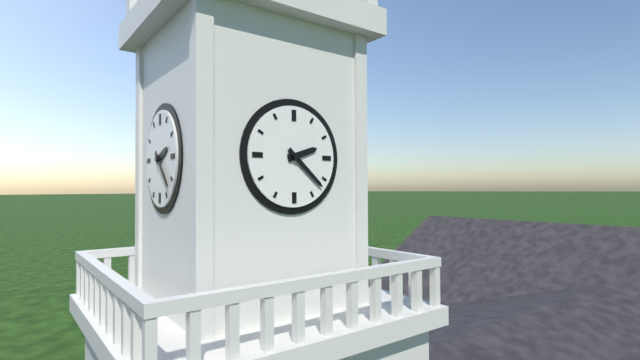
h=2 m=22
